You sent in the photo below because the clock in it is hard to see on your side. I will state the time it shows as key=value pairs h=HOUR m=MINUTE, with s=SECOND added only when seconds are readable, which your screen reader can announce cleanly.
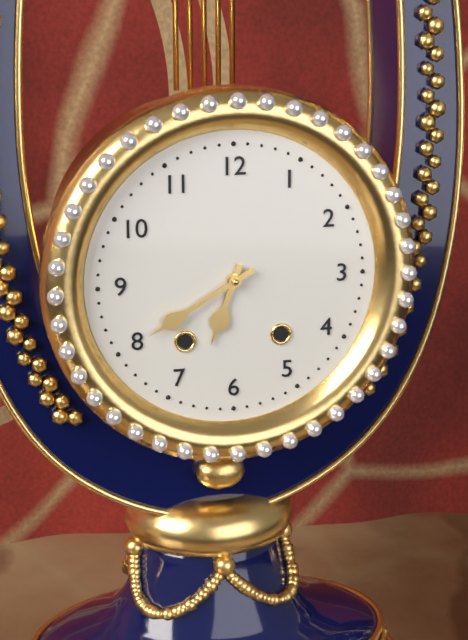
h=6 m=40
